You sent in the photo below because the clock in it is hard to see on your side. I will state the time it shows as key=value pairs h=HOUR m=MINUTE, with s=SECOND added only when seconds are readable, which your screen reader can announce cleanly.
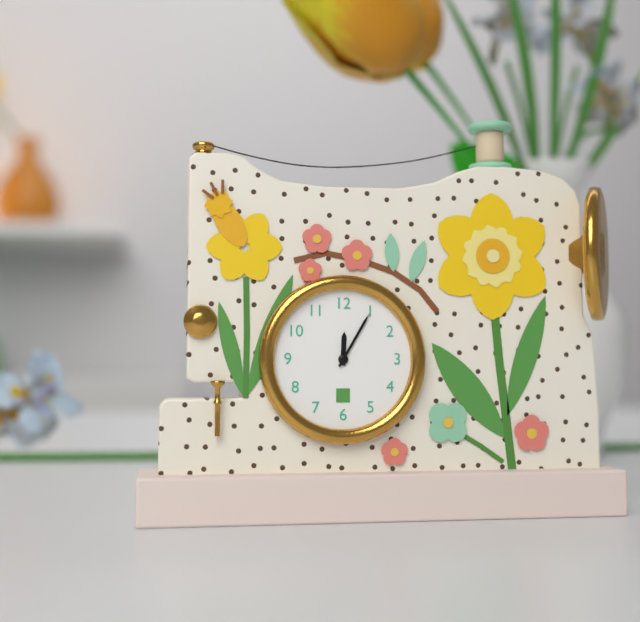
h=12 m=5
